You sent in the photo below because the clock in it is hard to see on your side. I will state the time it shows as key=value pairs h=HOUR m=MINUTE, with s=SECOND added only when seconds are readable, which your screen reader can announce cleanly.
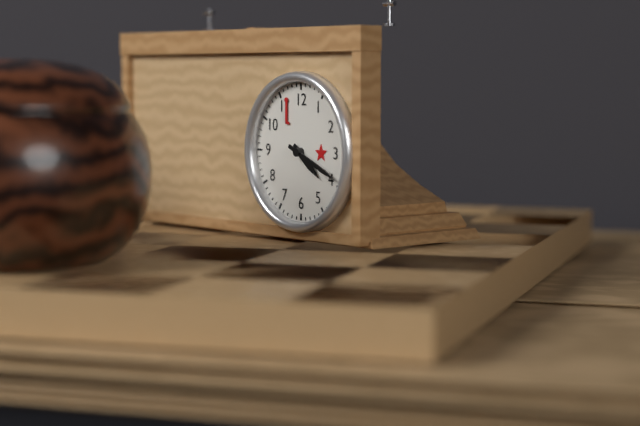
h=4 m=19
